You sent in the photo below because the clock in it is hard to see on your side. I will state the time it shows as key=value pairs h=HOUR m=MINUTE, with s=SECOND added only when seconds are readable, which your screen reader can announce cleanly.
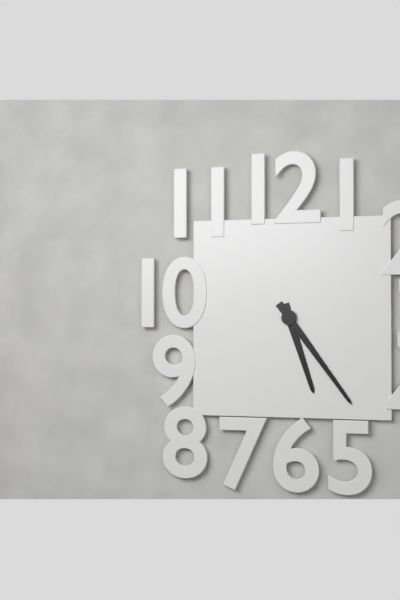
h=5 m=24
